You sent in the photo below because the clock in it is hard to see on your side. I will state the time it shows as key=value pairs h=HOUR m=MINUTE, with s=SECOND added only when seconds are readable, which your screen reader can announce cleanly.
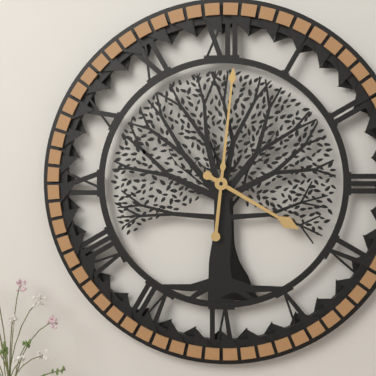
h=4 m=1
